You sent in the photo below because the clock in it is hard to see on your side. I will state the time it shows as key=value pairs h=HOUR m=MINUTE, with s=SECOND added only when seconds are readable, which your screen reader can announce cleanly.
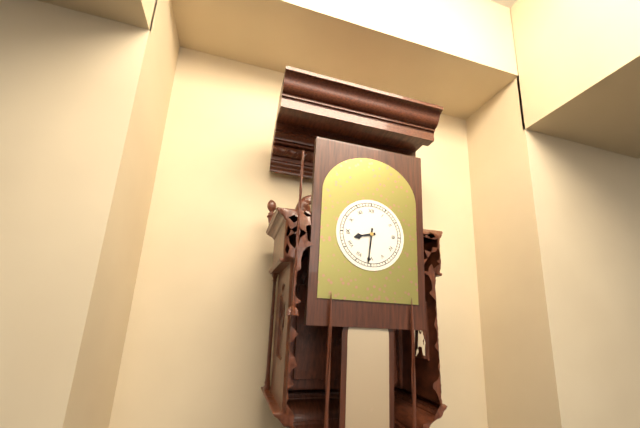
h=8 m=31
